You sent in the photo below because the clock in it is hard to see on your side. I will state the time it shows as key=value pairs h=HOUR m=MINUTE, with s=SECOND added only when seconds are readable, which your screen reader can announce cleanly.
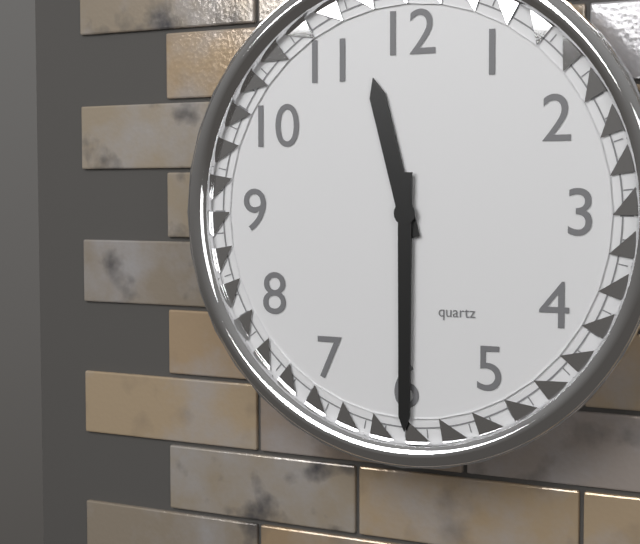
h=11 m=30
